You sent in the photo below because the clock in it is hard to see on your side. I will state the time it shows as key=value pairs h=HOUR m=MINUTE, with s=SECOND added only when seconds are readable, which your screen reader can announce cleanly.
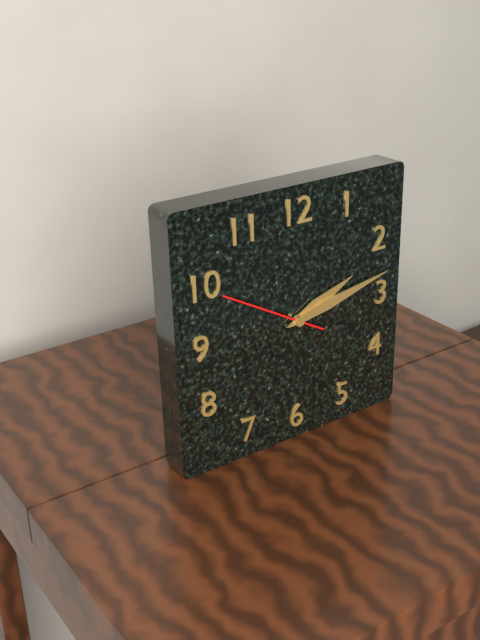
h=2 m=13 s=50
